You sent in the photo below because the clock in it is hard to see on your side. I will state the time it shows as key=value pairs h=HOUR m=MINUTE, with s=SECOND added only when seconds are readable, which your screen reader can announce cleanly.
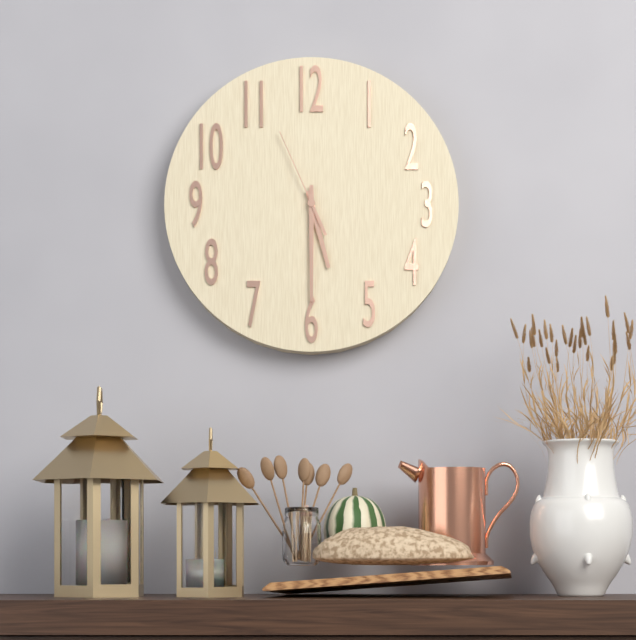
h=5 m=30 s=56
